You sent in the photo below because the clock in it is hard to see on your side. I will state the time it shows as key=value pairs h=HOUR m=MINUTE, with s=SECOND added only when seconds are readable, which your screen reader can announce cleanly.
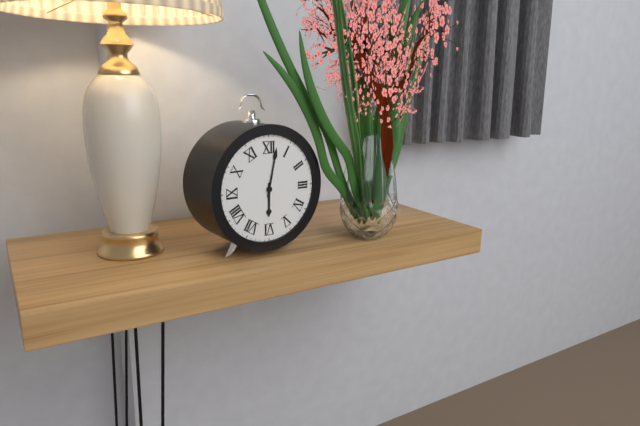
h=6 m=2
